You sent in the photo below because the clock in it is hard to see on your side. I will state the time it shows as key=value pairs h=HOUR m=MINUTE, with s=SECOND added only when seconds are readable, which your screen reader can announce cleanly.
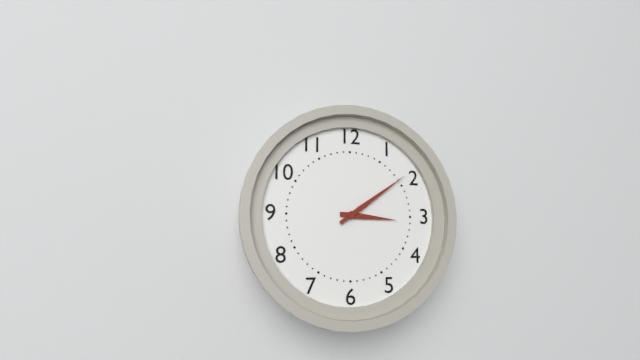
h=3 m=9
